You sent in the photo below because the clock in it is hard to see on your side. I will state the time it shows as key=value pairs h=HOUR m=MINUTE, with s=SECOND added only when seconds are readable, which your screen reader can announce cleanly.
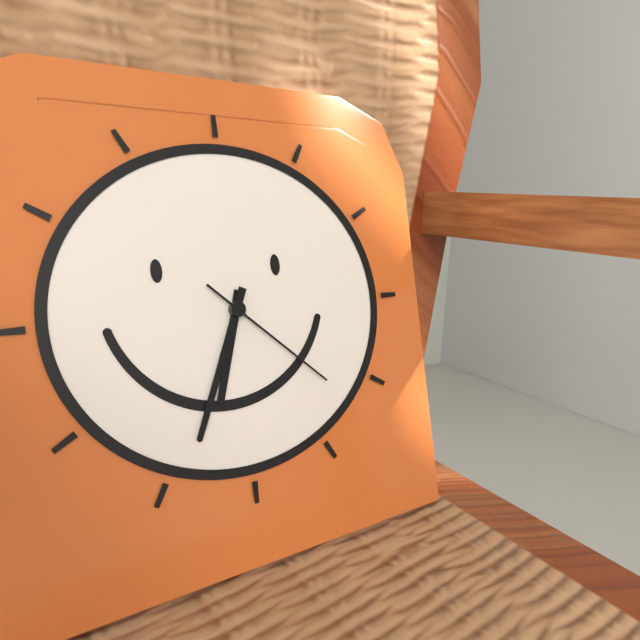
h=6 m=34 s=22
